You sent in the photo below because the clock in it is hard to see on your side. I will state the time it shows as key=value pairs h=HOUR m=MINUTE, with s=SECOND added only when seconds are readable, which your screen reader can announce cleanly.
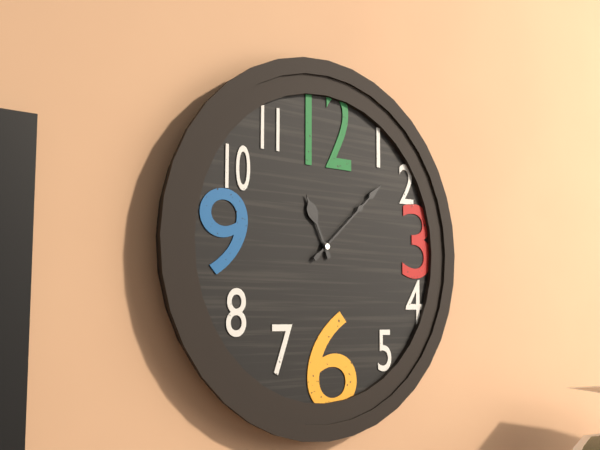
h=11 m=8
